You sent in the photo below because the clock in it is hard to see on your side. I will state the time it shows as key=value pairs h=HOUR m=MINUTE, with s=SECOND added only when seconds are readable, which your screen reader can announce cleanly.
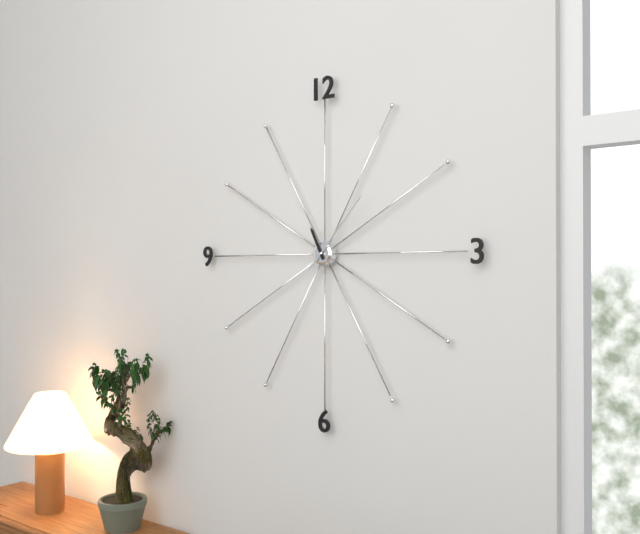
h=11 m=7
